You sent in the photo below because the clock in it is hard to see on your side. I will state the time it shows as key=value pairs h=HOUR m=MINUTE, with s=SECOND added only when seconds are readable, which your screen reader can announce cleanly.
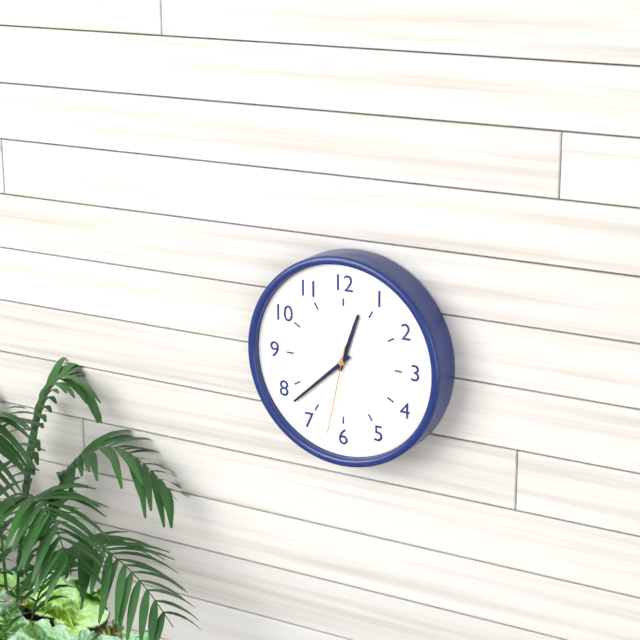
h=12 m=38 s=32
